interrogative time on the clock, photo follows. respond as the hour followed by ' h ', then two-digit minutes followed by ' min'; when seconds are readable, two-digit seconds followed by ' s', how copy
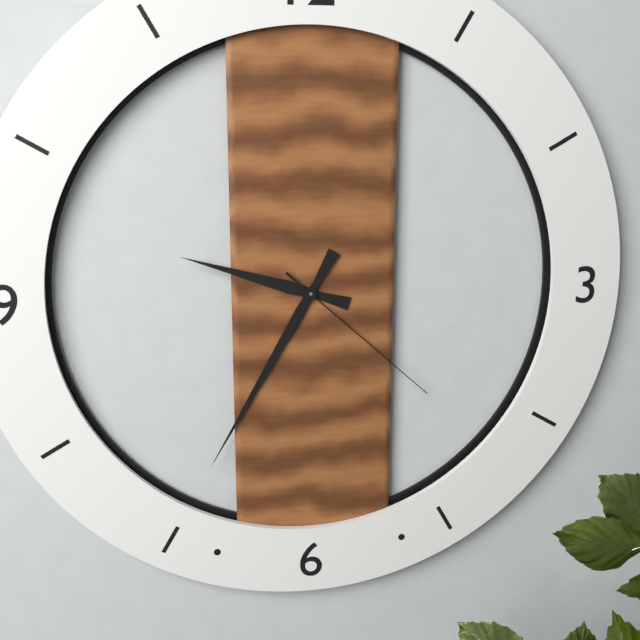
9 h 35 min 22 s
